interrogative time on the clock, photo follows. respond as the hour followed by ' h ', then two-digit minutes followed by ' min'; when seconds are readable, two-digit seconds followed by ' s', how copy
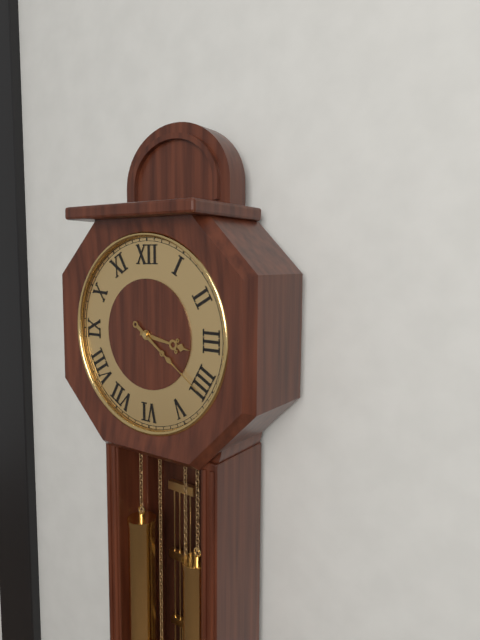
3 h 21 min
